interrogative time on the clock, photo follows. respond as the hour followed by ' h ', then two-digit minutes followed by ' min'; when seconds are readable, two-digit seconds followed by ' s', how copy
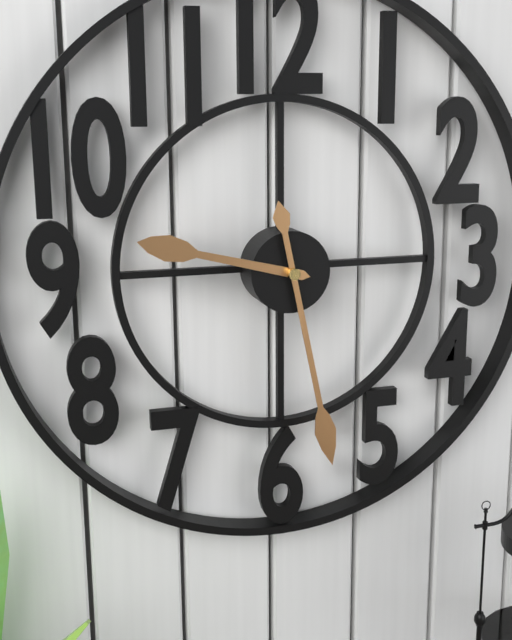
9 h 28 min
